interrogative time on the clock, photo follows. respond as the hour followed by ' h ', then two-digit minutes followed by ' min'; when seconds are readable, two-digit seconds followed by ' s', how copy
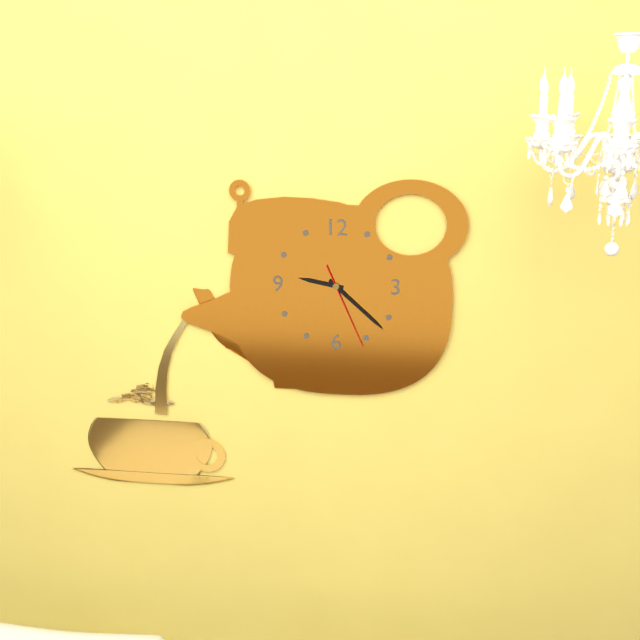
9 h 22 min 26 s
